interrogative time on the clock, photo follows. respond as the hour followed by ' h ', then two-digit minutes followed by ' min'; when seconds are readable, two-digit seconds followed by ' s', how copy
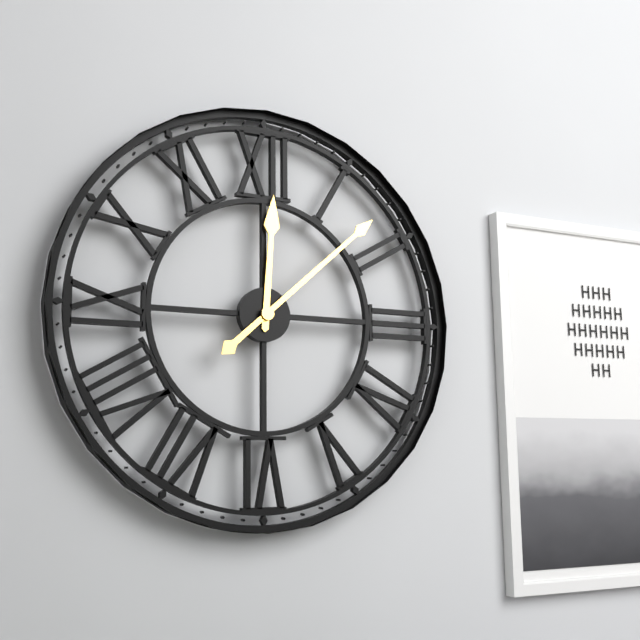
12 h 08 min
